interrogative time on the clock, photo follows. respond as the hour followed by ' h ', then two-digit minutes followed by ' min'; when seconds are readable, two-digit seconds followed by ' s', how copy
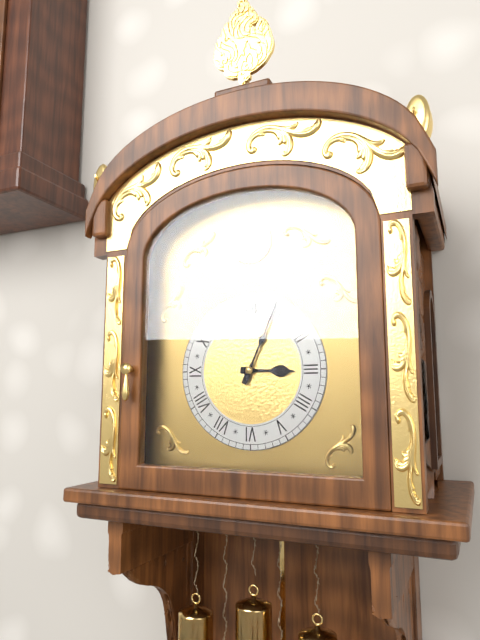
3 h 04 min
